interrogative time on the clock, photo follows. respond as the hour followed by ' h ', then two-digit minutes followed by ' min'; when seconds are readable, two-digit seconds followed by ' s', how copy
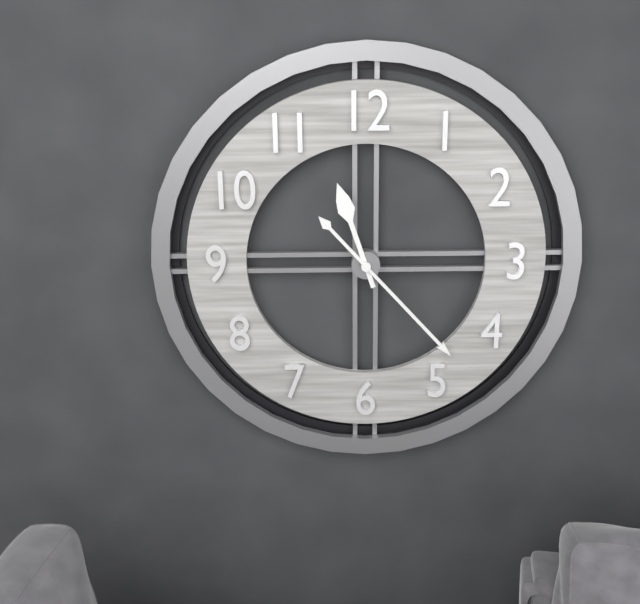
11 h 23 min
